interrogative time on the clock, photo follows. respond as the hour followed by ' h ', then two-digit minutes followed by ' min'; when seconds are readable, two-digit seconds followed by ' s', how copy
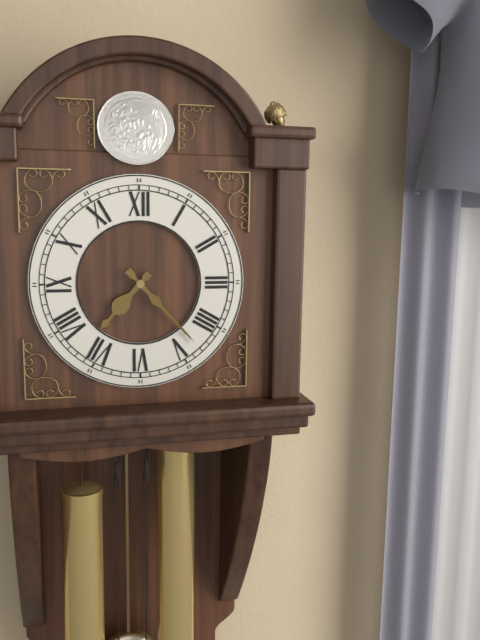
7 h 23 min
